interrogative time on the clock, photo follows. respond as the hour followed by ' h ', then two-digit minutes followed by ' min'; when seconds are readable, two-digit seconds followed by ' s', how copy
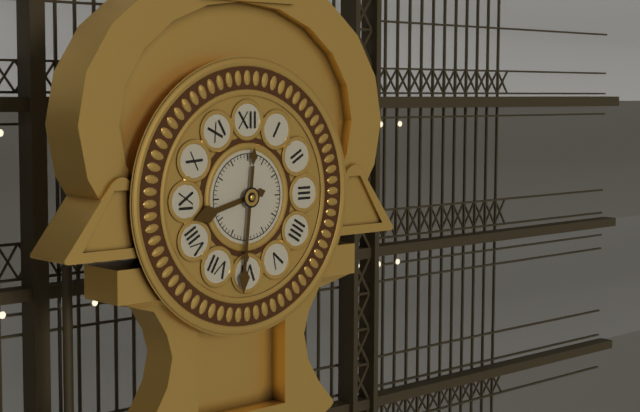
8 h 31 min
